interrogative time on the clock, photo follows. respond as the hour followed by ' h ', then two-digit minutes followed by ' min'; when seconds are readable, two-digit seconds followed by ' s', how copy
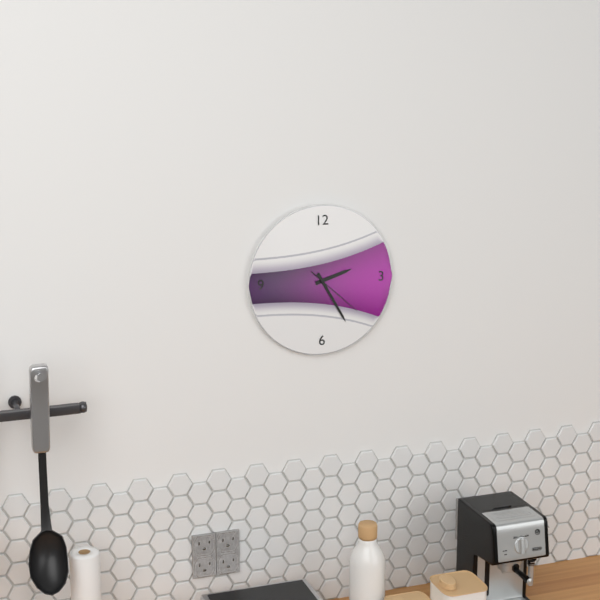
2 h 25 min 22 s
